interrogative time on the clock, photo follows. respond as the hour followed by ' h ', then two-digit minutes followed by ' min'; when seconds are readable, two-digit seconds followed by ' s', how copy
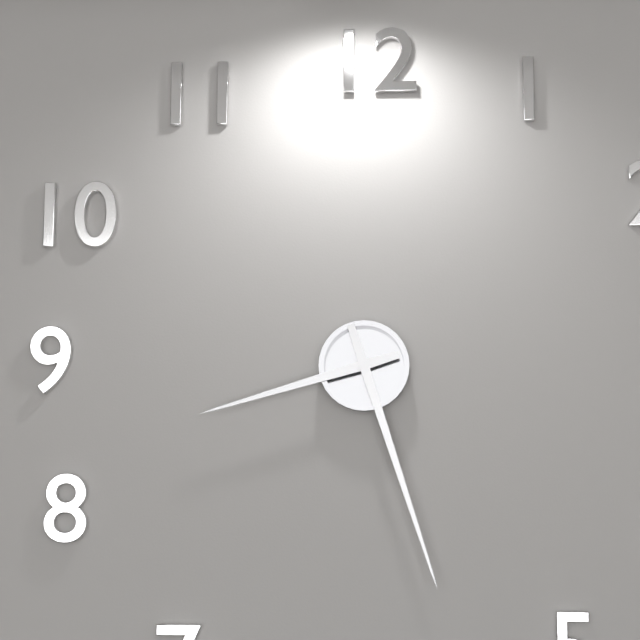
8 h 27 min
